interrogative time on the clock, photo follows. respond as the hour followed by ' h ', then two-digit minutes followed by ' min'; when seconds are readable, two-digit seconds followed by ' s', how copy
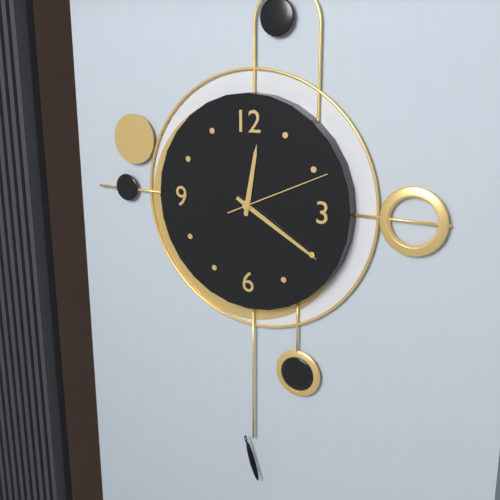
12 h 20 min 11 s
